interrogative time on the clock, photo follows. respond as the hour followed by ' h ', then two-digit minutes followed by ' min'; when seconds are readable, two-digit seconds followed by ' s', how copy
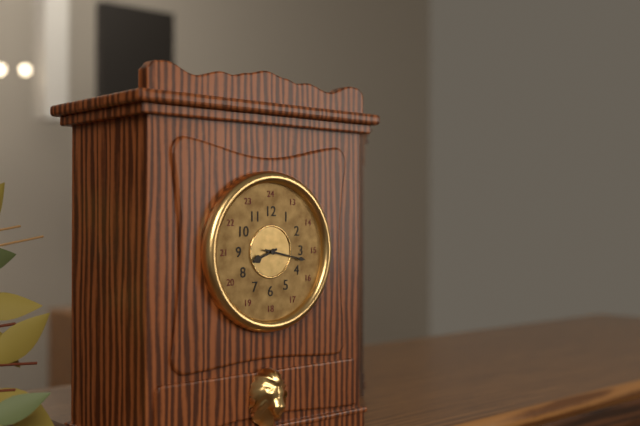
8 h 17 min
